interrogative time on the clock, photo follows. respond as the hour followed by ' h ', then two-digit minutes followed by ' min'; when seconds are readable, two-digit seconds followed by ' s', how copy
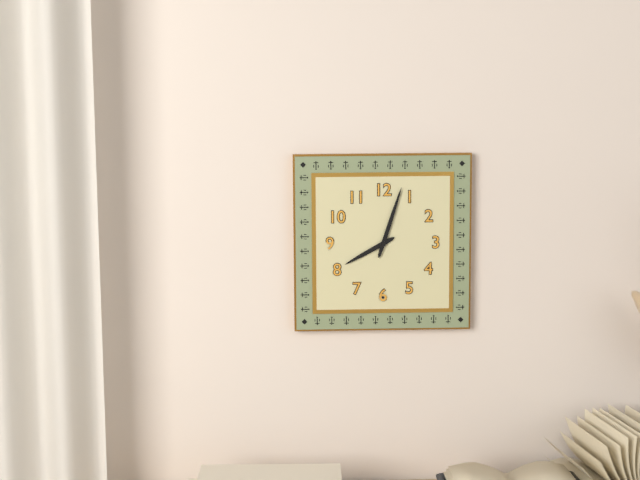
8 h 03 min
